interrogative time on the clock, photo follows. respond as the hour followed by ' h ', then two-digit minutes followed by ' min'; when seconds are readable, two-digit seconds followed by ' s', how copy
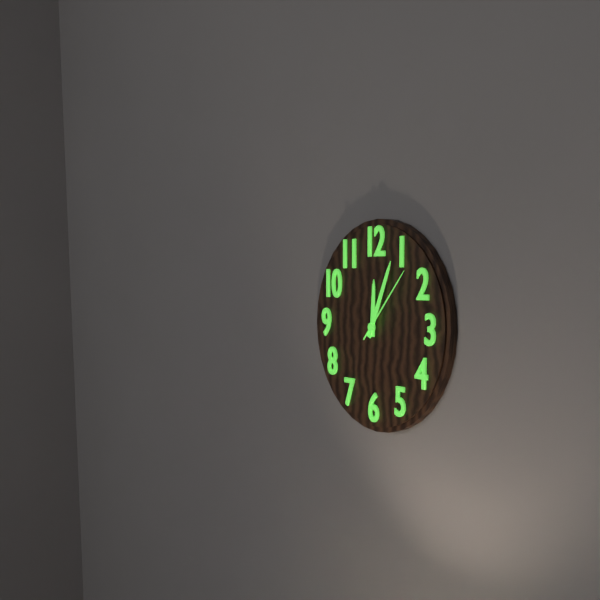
12 h 04 min 07 s
